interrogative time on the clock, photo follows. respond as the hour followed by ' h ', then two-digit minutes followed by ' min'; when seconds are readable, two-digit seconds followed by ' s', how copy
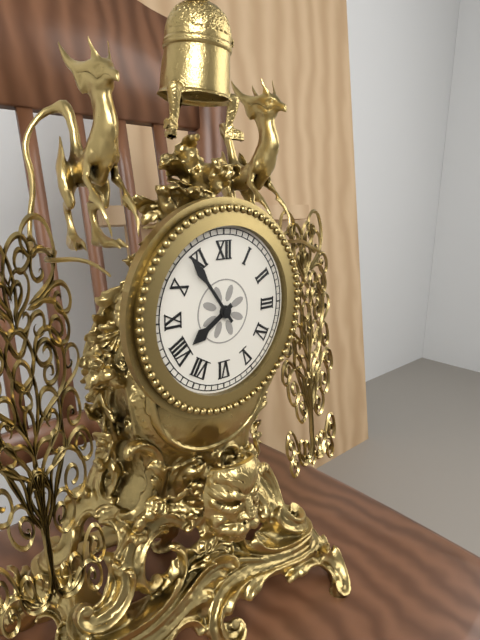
7 h 54 min
